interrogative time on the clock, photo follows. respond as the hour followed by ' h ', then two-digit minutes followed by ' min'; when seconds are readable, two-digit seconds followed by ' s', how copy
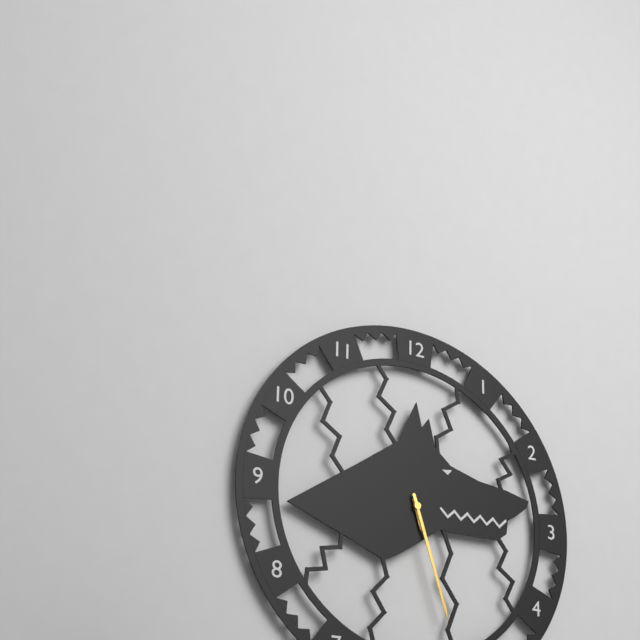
5 h 27 min
